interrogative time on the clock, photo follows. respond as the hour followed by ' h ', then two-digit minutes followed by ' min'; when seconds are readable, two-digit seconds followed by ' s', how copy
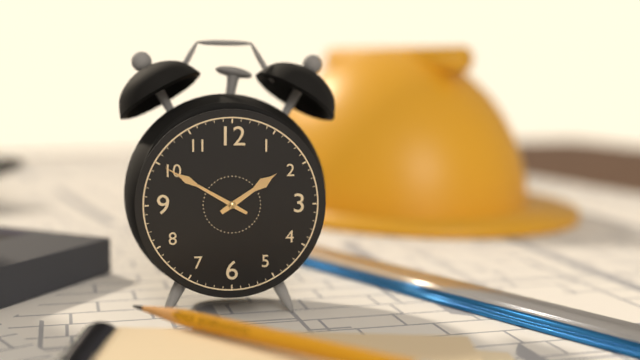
1 h 50 min
